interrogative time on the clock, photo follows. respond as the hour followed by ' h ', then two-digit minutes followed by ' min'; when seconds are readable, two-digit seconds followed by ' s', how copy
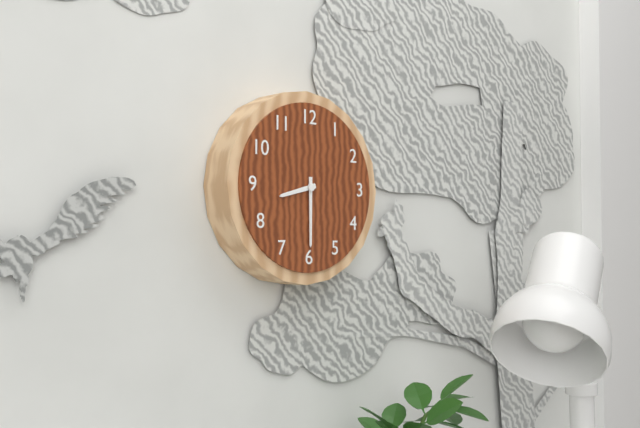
8 h 30 min
